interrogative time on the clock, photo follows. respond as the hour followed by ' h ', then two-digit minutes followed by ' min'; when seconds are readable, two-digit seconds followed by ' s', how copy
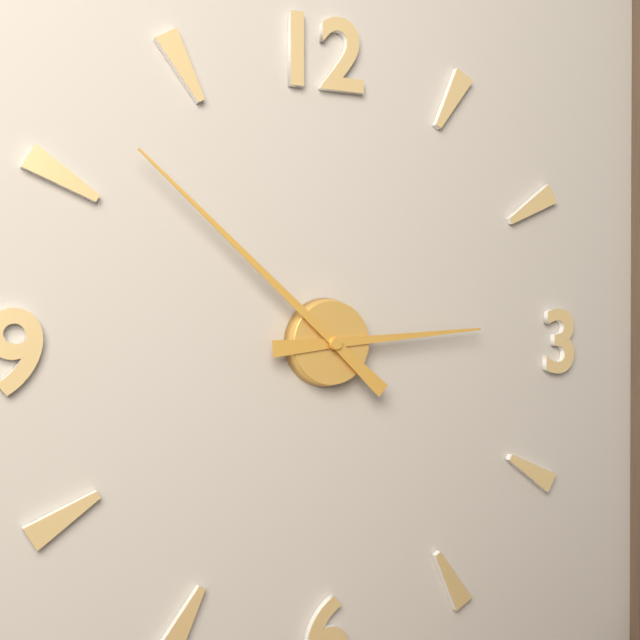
2 h 52 min
